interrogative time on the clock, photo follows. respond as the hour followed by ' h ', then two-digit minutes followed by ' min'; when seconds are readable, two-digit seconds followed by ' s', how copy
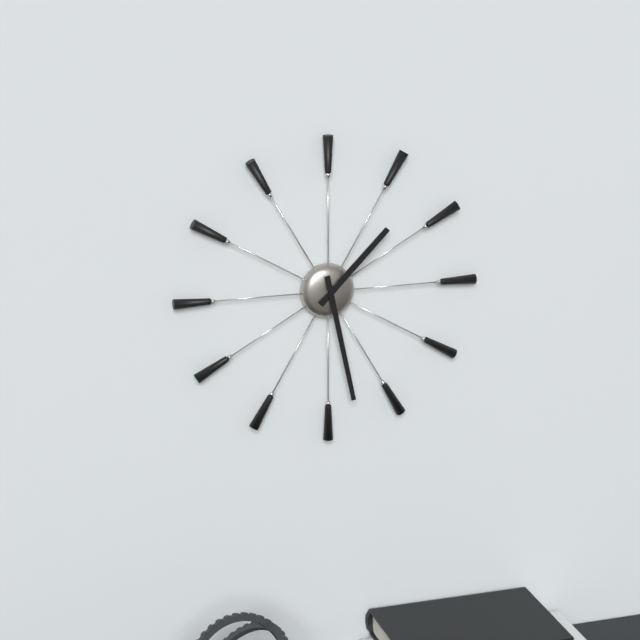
1 h 28 min
